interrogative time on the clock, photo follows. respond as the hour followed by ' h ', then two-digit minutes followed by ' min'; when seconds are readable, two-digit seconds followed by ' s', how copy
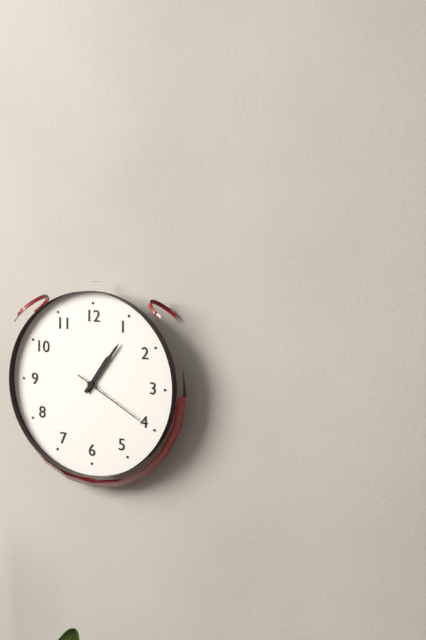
1 h 06 min 20 s
